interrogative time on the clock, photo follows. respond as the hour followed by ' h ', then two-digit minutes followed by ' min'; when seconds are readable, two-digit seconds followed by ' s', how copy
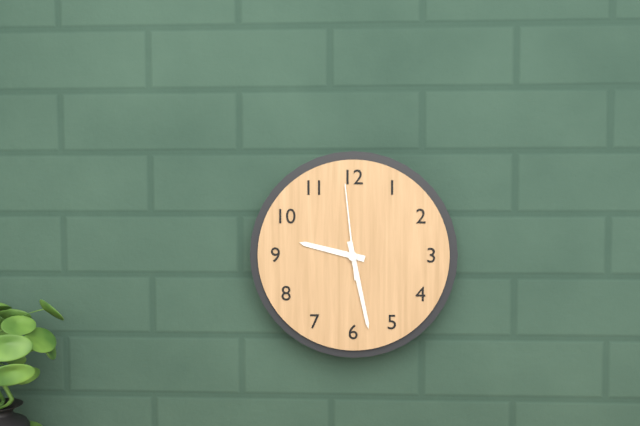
9 h 28 min 59 s
